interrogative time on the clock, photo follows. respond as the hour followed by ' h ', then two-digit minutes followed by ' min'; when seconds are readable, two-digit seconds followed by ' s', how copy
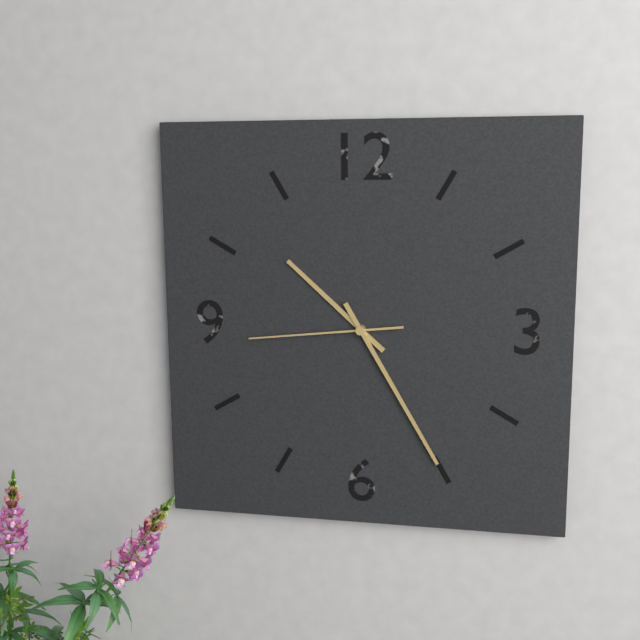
10 h 25 min 44 s
